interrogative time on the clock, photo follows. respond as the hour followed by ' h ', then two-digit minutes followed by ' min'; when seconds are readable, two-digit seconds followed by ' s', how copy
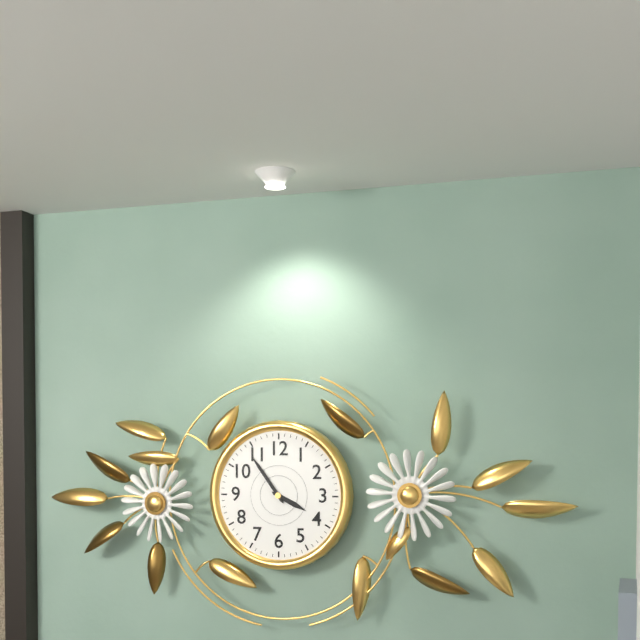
3 h 54 min
